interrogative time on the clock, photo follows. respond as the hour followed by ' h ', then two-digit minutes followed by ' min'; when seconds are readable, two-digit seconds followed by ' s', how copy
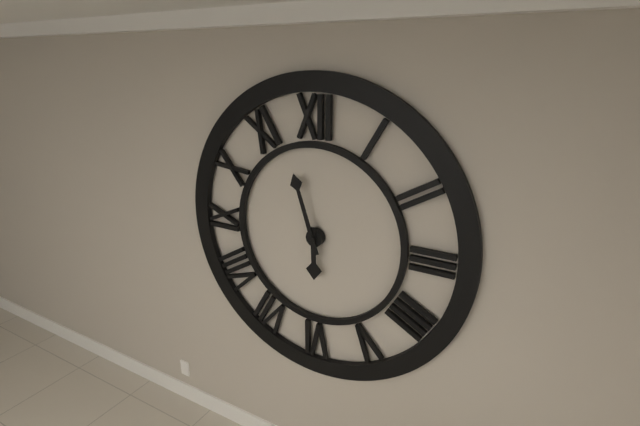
5 h 57 min
